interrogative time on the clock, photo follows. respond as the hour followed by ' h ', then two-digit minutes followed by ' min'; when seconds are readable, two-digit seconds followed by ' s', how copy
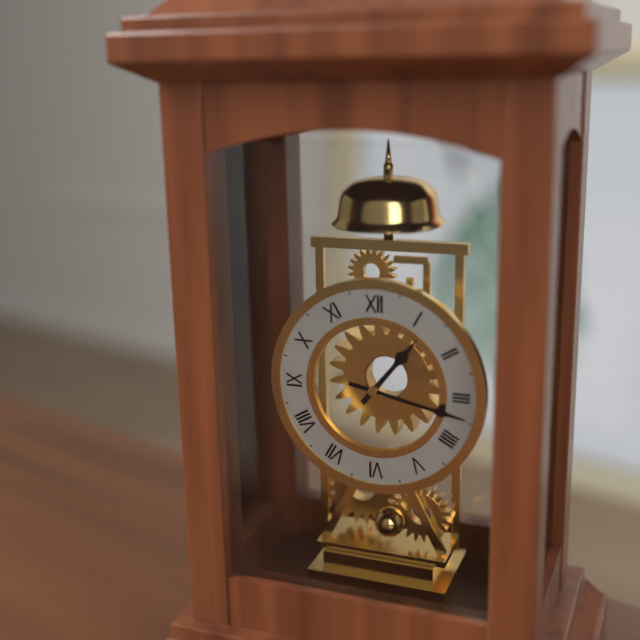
1 h 17 min
